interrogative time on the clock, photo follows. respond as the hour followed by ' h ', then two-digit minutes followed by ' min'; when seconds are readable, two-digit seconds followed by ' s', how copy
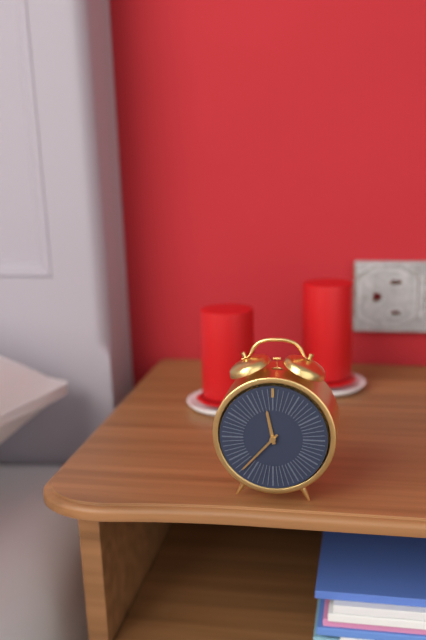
11 h 37 min
